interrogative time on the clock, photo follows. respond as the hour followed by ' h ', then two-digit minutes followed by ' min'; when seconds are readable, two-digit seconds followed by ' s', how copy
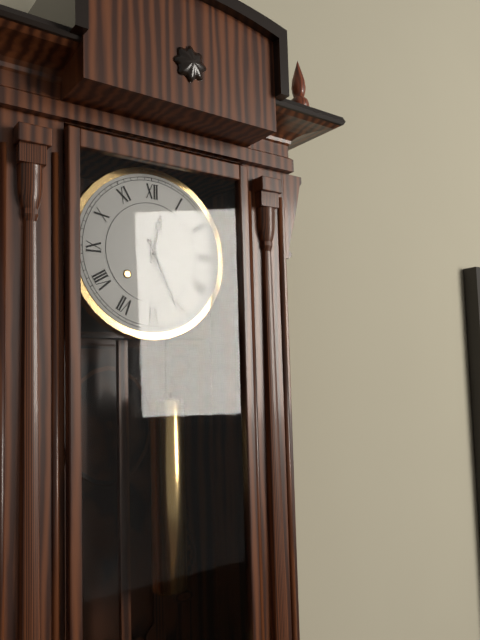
12 h 26 min
